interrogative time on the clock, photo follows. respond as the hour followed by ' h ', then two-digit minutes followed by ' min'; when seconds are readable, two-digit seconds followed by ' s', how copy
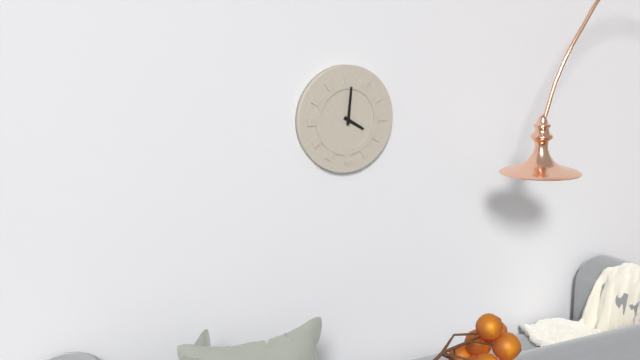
4 h 01 min
